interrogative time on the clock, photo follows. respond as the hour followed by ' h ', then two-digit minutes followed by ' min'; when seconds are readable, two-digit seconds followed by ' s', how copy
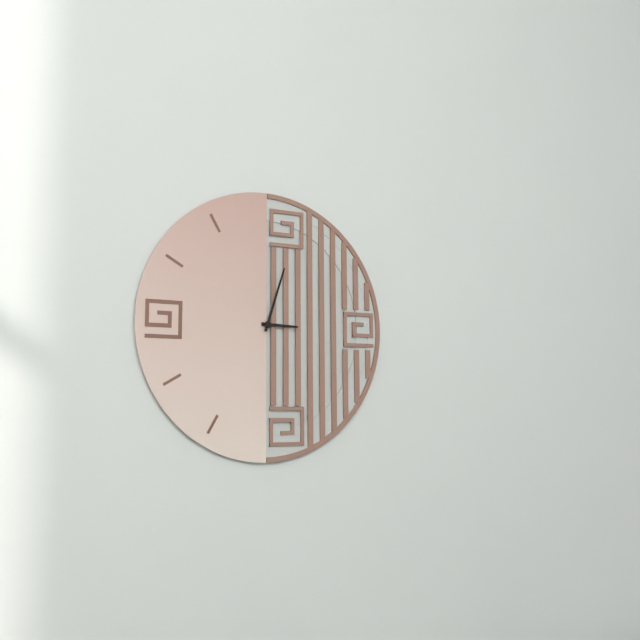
3 h 03 min
